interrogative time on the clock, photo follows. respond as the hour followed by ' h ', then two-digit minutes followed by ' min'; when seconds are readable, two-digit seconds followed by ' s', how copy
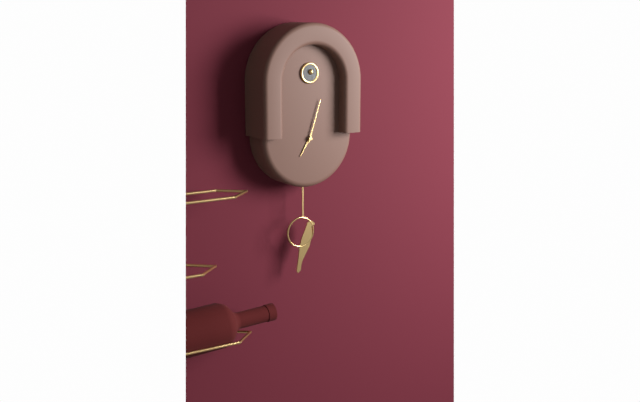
7 h 03 min
